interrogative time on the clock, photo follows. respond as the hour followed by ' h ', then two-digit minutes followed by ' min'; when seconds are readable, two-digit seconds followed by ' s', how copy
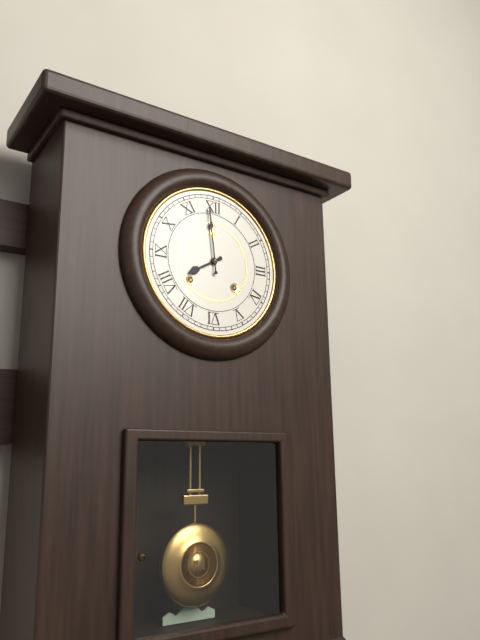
7 h 59 min
